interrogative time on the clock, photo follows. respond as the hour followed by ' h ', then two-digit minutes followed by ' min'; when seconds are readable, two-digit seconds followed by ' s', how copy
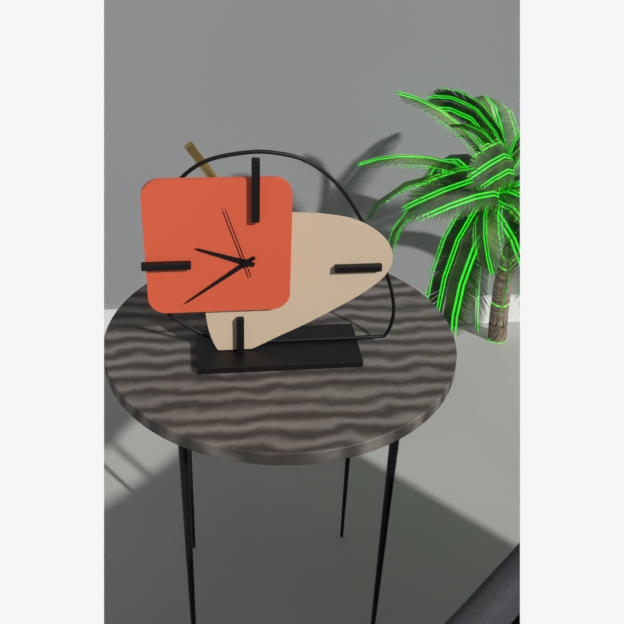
9 h 39 min 57 s
